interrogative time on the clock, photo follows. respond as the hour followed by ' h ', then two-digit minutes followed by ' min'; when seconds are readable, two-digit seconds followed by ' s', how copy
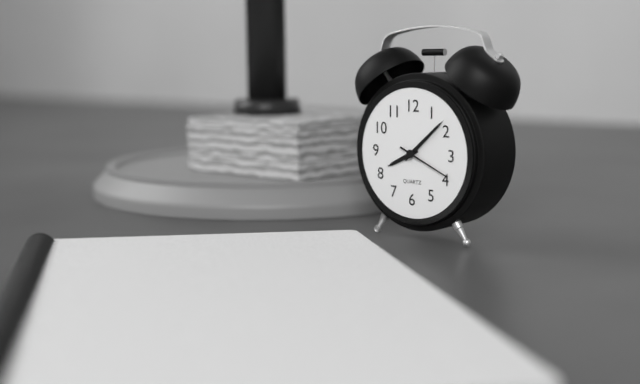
8 h 08 min 19 s
